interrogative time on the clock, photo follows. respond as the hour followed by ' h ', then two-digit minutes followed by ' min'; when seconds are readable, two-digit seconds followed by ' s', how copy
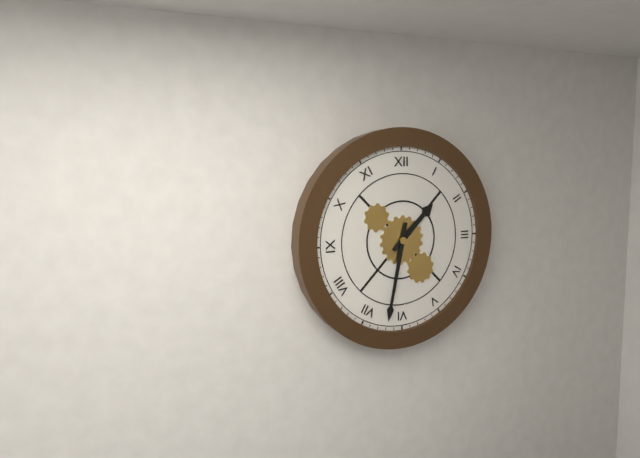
1 h 32 min
